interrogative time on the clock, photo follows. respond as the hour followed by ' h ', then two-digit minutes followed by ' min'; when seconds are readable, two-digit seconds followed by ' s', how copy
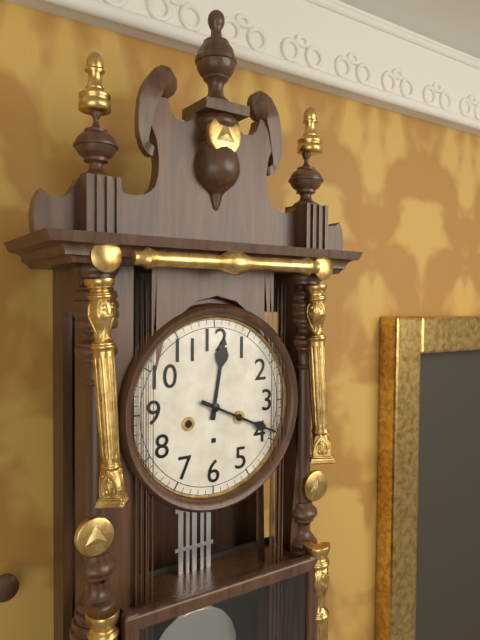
12 h 19 min
